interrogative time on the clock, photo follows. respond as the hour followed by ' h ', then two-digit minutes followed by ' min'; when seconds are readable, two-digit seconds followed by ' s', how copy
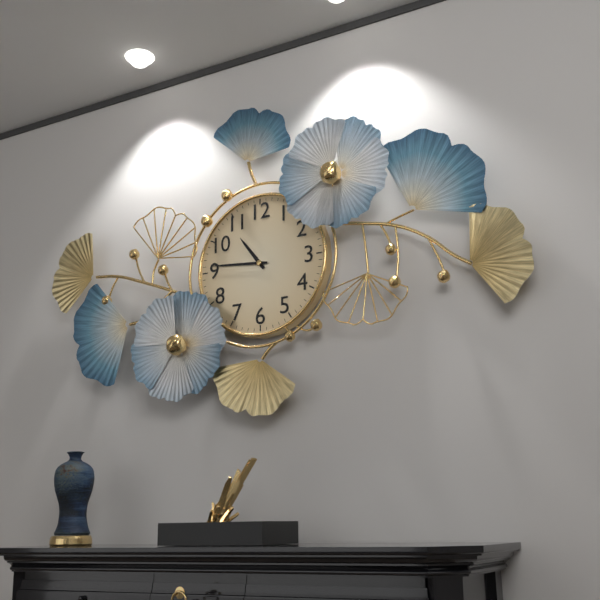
10 h 46 min
